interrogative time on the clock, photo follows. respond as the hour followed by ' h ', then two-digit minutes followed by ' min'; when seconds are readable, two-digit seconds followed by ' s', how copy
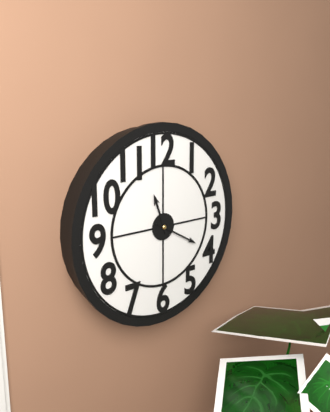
11 h 20 min
